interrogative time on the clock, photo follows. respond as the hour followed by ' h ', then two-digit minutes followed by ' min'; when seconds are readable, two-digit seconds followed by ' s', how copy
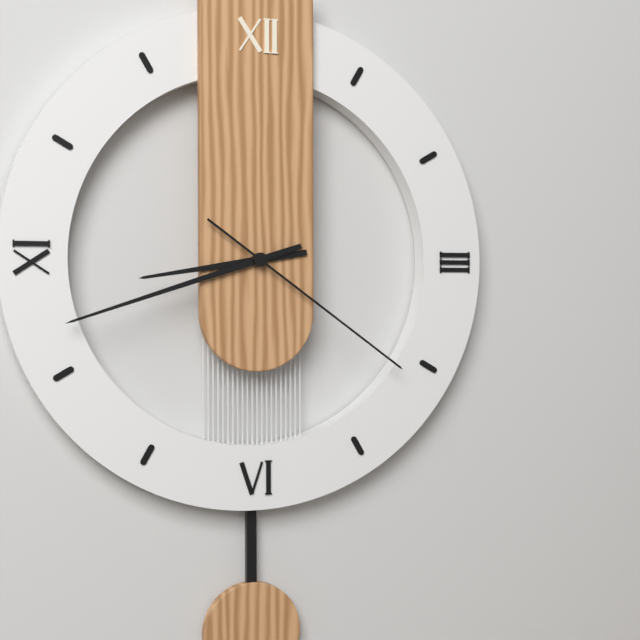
8 h 42 min 21 s
